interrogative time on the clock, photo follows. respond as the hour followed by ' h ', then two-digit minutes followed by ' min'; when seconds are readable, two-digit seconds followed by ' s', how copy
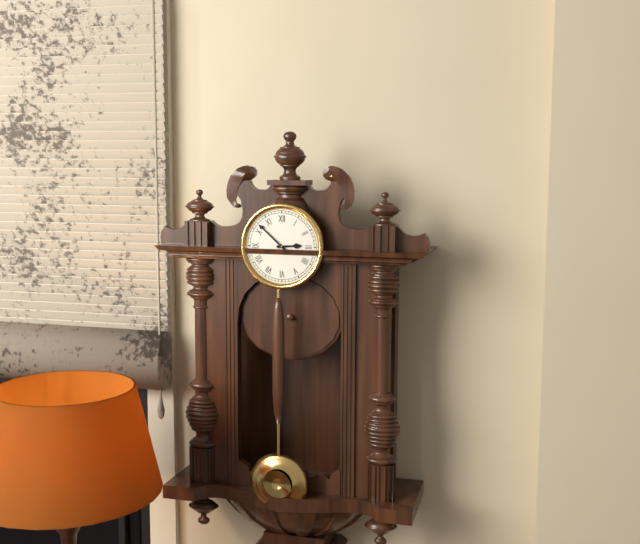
2 h 52 min
